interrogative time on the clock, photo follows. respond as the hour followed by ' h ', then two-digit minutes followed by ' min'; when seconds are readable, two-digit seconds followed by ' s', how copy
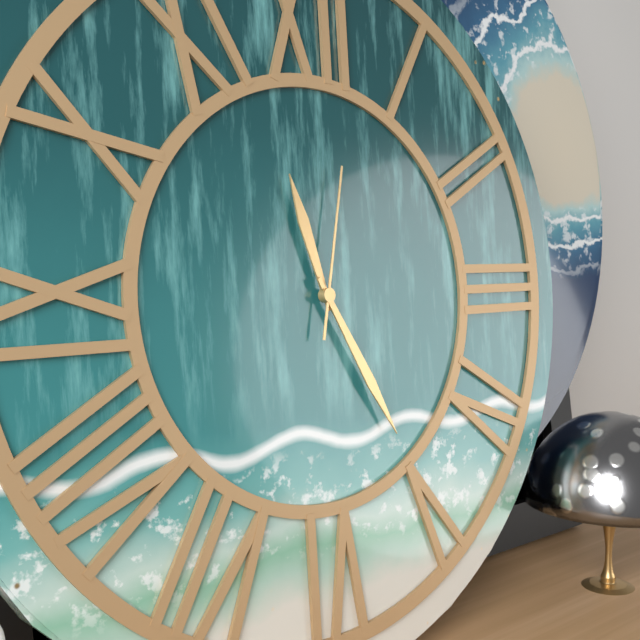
11 h 25 min 02 s
